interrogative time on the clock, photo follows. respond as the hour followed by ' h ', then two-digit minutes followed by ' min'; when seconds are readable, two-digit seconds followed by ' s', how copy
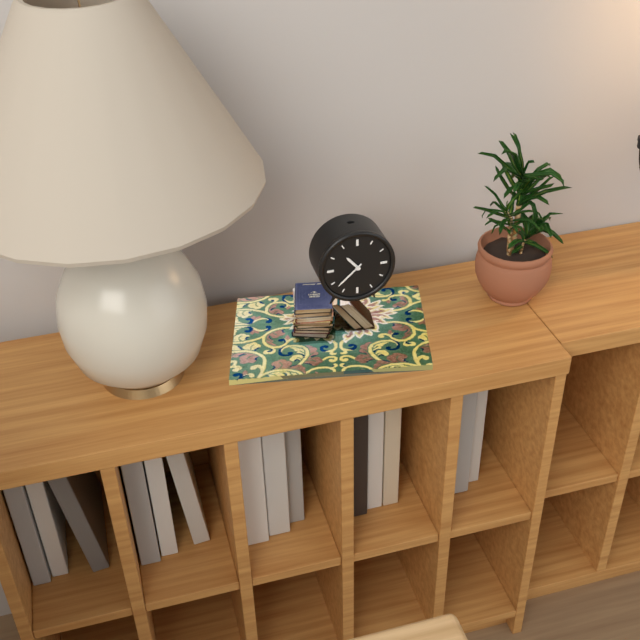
10 h 38 min
